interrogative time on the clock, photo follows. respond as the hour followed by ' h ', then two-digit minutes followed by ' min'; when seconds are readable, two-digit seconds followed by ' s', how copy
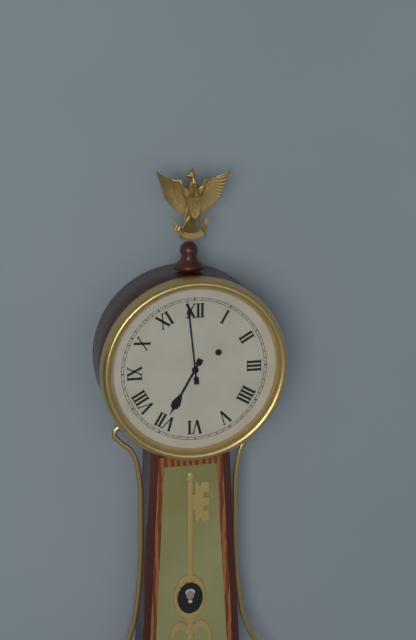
6 h 59 min
